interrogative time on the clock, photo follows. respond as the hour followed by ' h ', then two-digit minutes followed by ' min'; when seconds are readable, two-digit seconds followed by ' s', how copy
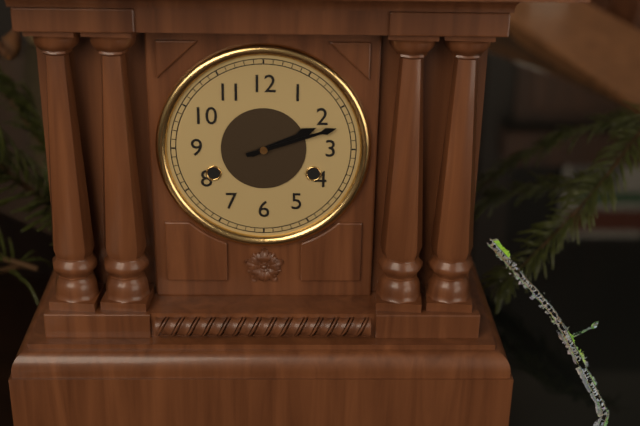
2 h 12 min
